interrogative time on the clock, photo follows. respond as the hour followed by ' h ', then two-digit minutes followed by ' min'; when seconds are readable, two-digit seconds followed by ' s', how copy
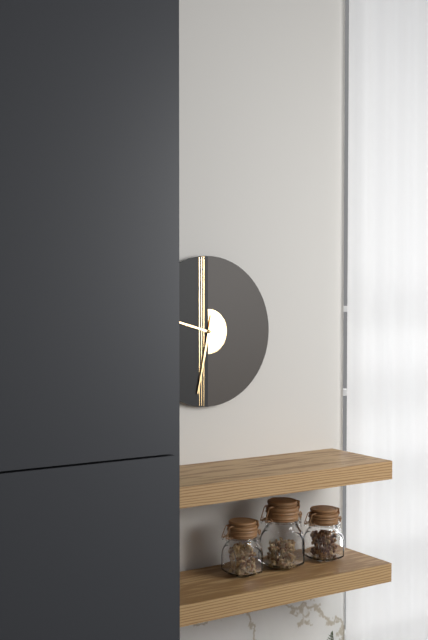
9 h 32 min
